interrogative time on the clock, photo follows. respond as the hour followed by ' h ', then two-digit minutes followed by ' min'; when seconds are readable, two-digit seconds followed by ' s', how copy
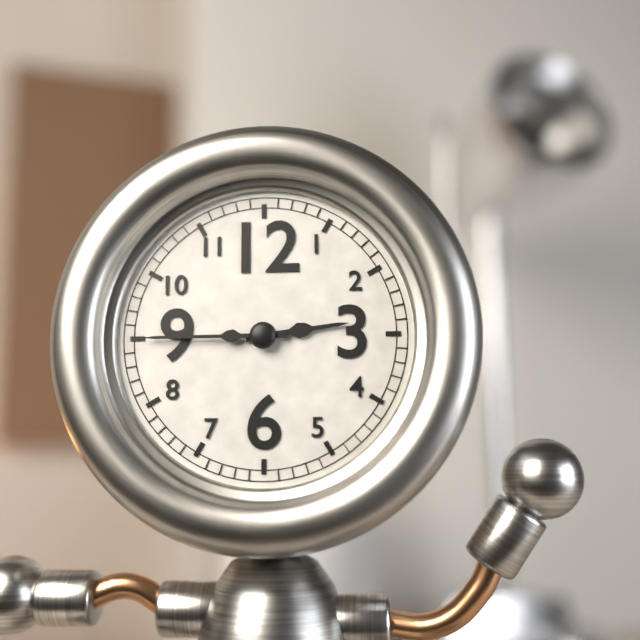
2 h 45 min
